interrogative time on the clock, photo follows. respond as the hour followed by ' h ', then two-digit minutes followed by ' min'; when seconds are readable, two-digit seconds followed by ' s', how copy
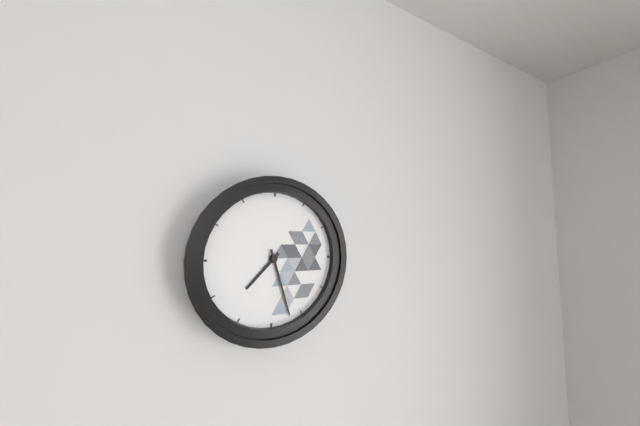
7 h 27 min
